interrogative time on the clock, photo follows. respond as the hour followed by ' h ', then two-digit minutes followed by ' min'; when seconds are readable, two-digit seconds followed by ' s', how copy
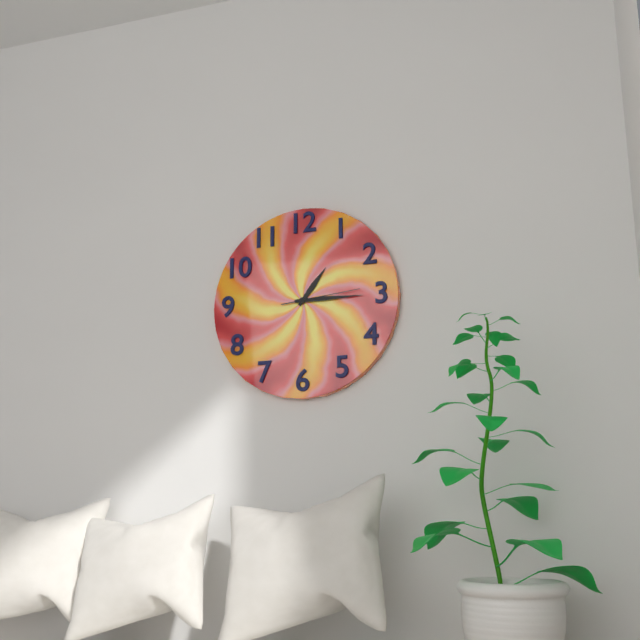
1 h 15 min 14 s
